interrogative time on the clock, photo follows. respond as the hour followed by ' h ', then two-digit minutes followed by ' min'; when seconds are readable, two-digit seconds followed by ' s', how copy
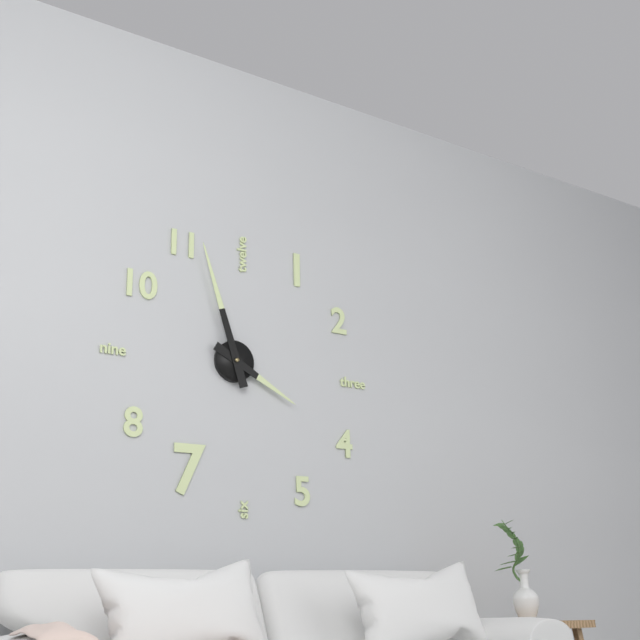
3 h 57 min
